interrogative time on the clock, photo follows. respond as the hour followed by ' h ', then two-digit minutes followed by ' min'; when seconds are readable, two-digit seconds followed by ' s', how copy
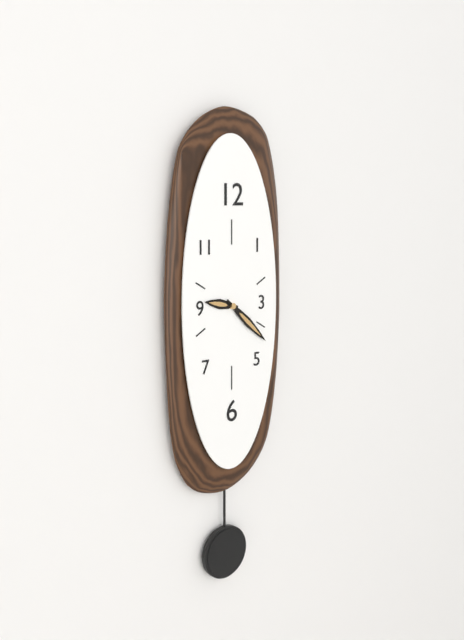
9 h 22 min
